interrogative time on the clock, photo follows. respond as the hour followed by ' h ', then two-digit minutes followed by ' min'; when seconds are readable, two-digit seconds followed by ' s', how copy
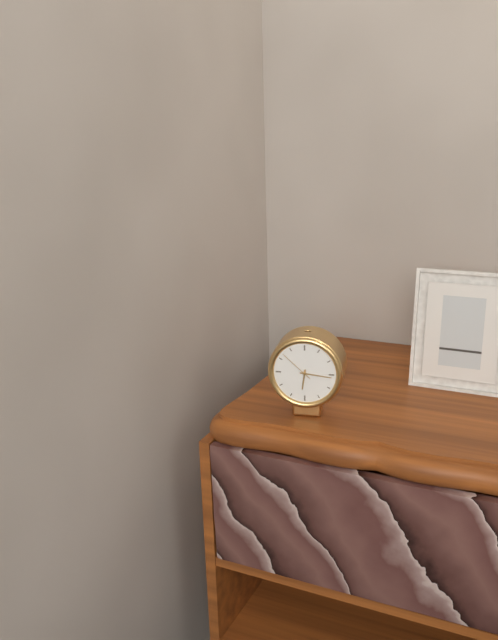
6 h 16 min
